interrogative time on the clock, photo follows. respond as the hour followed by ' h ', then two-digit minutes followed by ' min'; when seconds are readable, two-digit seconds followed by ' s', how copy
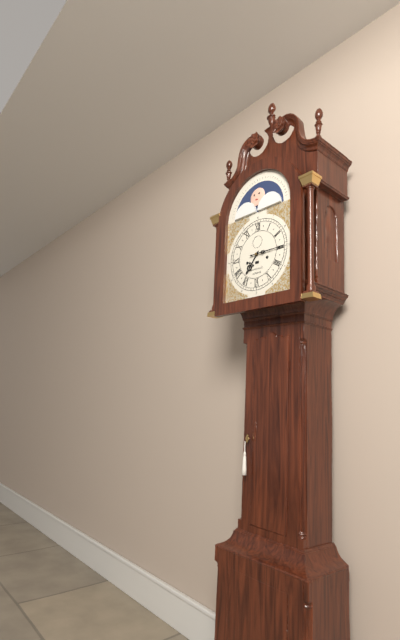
7 h 15 min
